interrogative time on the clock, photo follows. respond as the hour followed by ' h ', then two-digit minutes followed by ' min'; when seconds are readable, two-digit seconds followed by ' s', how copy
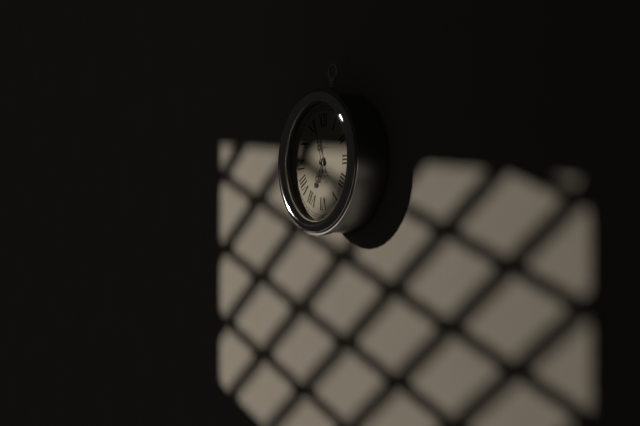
6 h 57 min
